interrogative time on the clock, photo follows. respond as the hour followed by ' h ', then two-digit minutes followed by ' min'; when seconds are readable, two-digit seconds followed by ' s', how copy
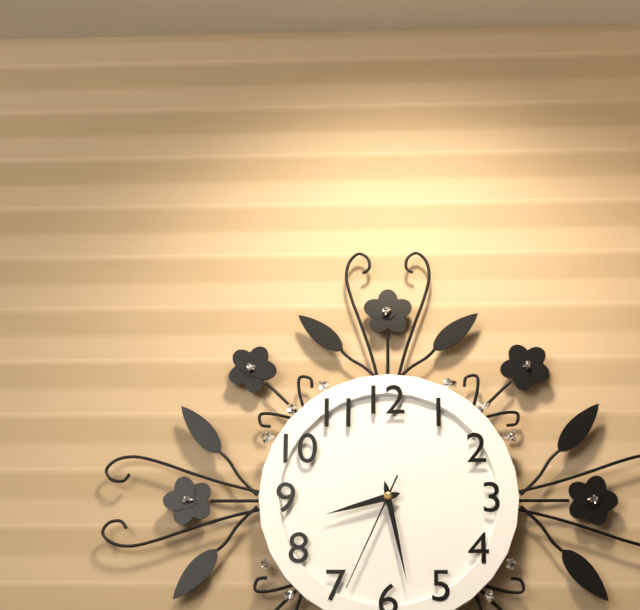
8 h 28 min 34 s
